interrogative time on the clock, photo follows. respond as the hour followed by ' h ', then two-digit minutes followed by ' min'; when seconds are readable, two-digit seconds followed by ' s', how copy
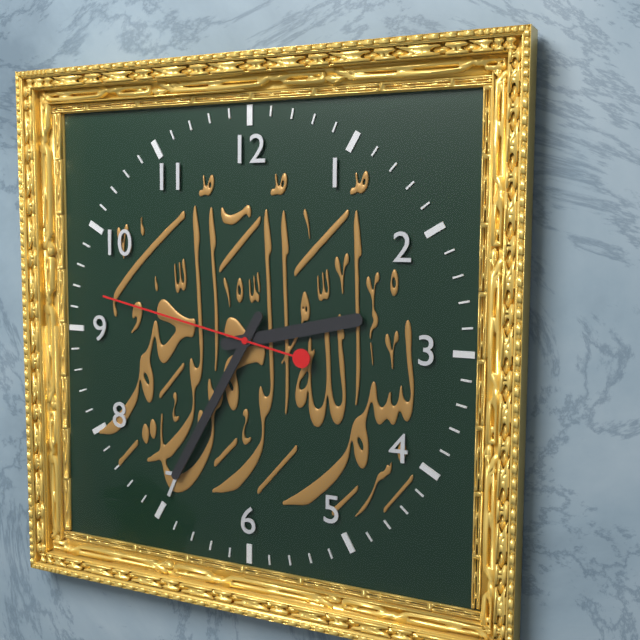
2 h 35 min 47 s
